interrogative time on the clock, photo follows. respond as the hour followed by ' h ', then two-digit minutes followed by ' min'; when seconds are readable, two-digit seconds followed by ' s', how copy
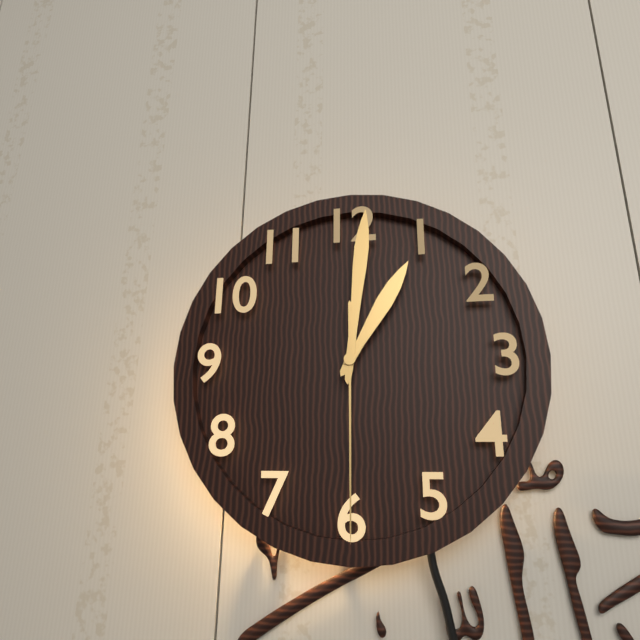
1 h 01 min 30 s
